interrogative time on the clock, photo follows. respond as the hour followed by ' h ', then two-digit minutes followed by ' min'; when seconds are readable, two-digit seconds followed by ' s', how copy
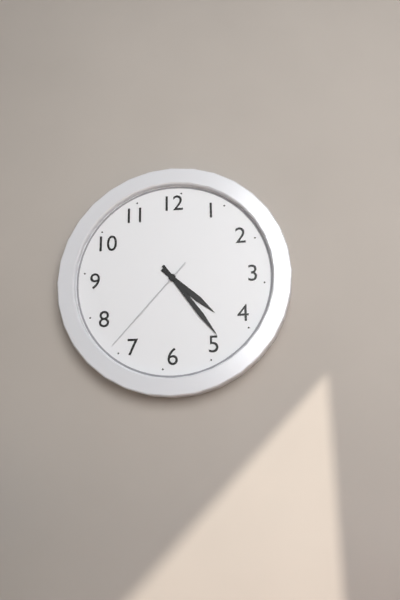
4 h 24 min 37 s
